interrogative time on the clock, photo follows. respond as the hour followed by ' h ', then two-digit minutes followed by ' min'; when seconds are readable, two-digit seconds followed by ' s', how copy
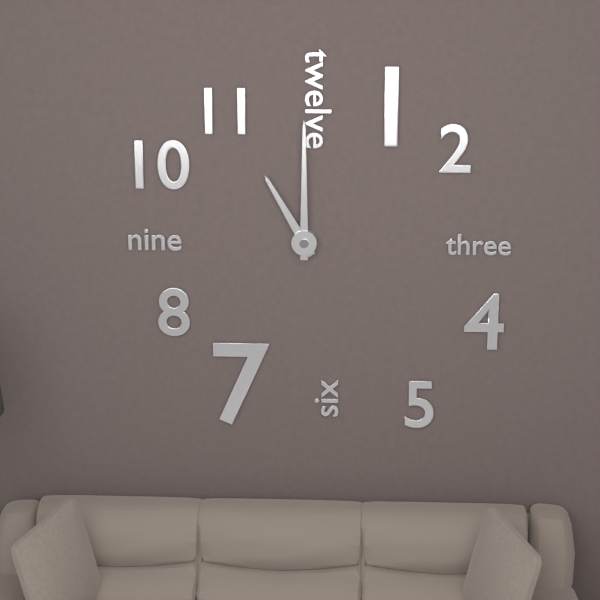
11 h 00 min
